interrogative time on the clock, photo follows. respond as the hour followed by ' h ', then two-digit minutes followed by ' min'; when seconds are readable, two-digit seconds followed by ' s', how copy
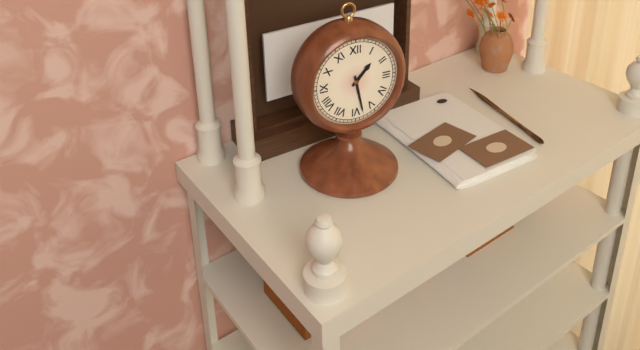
1 h 28 min
